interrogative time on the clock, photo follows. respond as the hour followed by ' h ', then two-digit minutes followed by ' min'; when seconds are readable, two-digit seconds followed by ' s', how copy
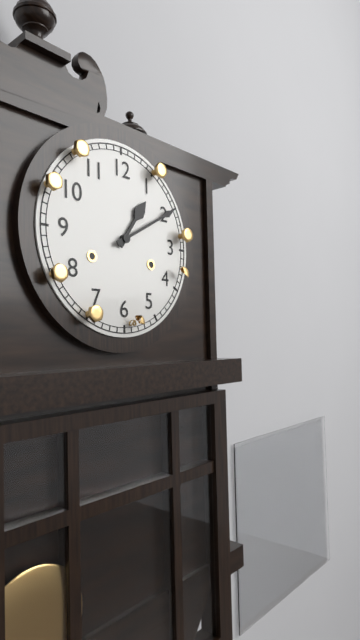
1 h 10 min
